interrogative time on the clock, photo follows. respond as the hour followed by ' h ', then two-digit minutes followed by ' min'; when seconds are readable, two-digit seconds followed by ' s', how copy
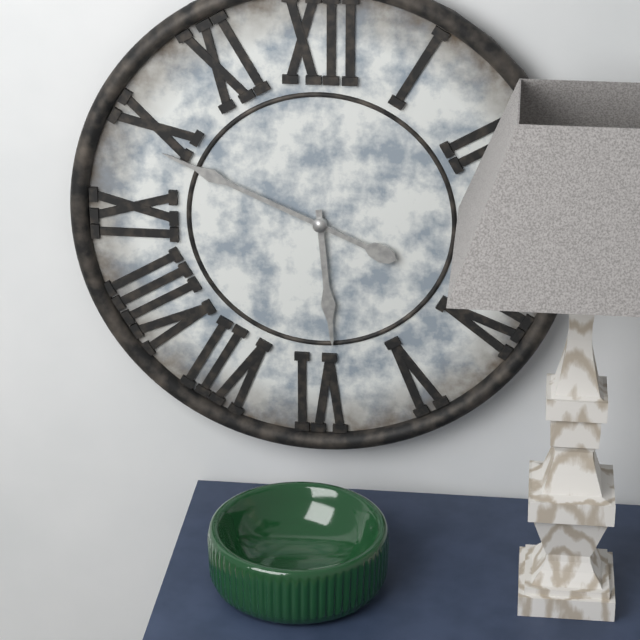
5 h 49 min
